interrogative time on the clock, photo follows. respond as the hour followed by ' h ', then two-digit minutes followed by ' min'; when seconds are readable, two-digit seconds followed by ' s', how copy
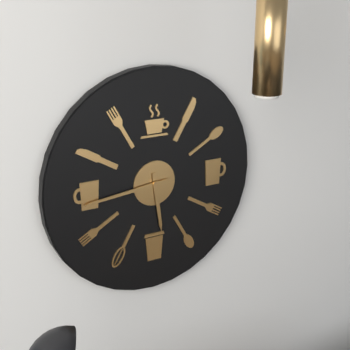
5 h 44 min
